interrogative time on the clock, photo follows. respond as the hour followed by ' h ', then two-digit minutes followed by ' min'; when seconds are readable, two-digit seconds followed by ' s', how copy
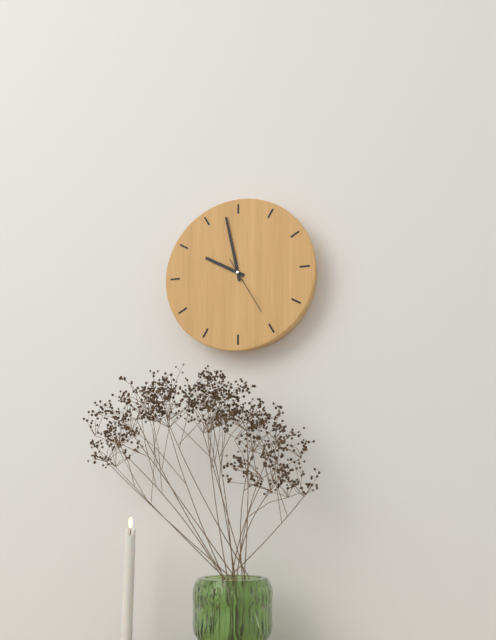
9 h 58 min
